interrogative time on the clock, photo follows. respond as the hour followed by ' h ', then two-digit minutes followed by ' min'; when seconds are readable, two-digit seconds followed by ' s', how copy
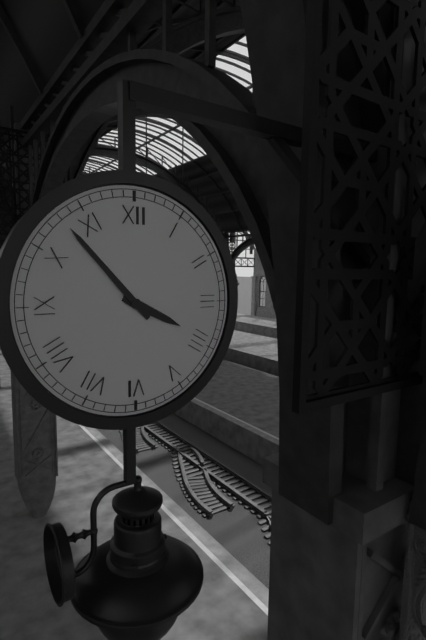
3 h 53 min
